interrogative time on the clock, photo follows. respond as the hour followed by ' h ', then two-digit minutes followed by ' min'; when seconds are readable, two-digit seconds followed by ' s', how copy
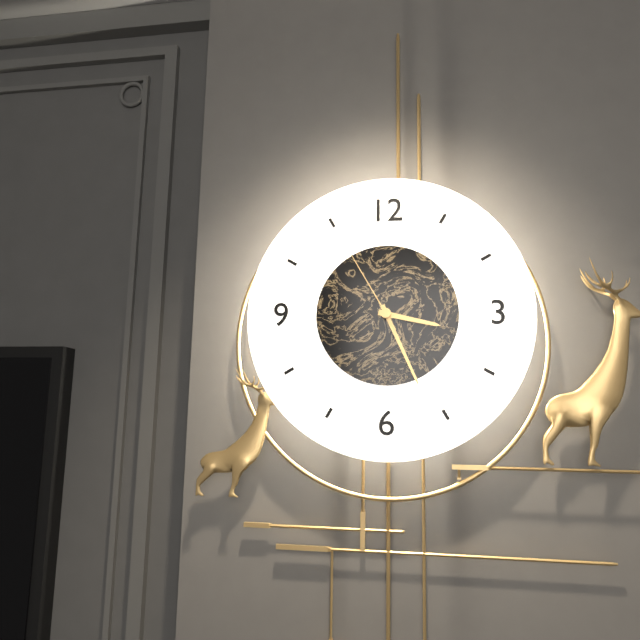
3 h 26 min 55 s
